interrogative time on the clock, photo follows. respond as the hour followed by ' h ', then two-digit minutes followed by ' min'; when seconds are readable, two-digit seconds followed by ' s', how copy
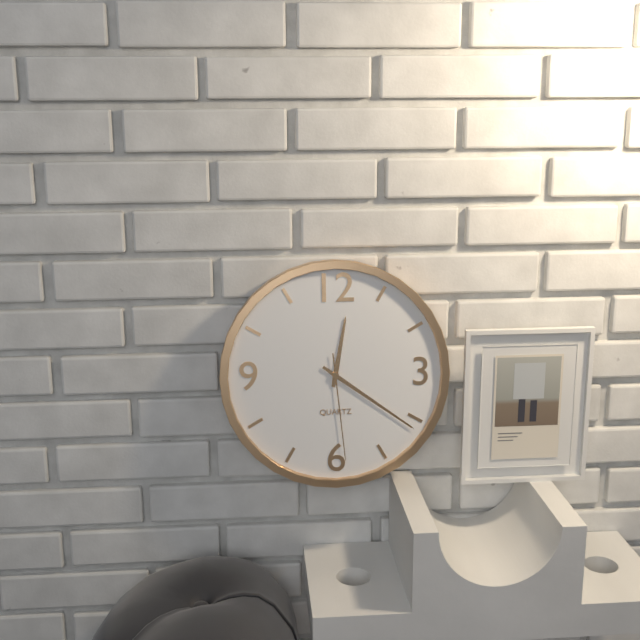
12 h 21 min 29 s
